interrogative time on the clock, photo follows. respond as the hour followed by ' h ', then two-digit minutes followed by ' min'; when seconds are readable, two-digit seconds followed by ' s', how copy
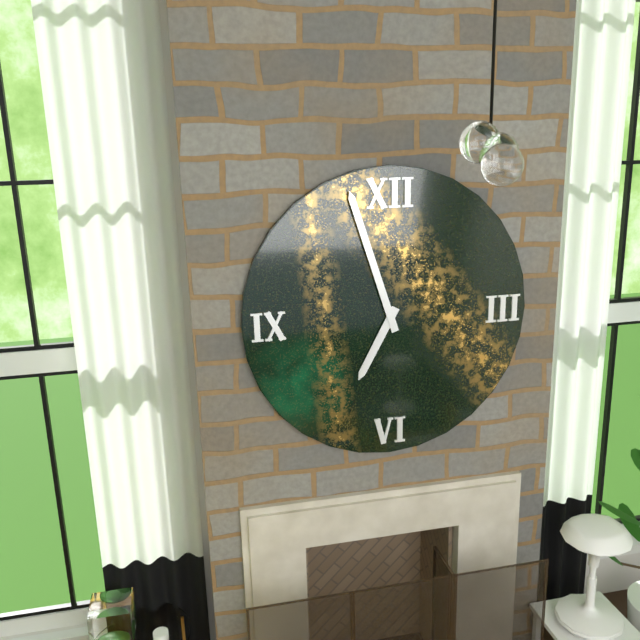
6 h 57 min
